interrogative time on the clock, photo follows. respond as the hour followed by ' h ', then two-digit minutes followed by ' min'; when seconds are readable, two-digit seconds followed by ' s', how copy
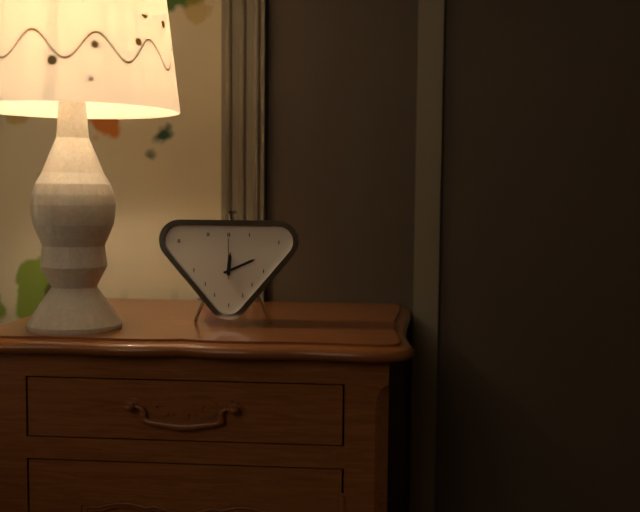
12 h 11 min
